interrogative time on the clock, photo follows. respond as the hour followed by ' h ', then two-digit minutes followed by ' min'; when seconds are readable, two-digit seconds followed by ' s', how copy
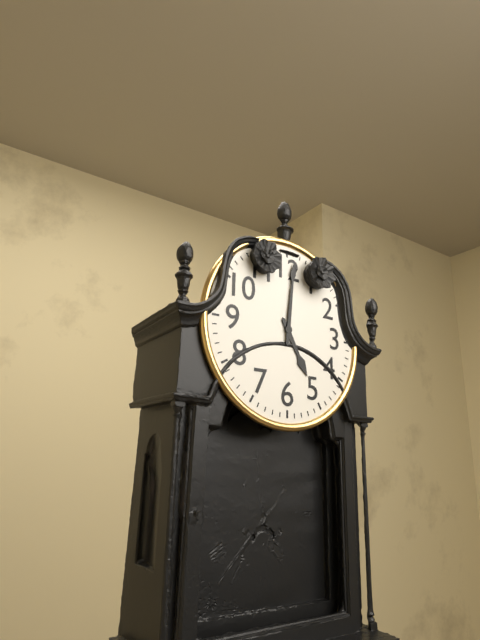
5 h 01 min
